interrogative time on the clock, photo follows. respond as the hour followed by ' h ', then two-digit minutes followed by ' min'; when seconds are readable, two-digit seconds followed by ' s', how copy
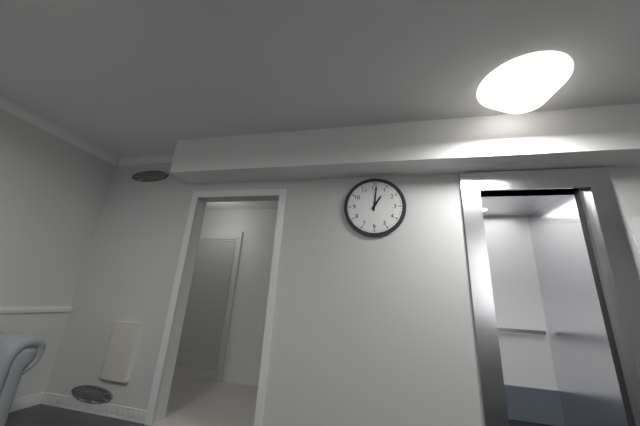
1 h 01 min
